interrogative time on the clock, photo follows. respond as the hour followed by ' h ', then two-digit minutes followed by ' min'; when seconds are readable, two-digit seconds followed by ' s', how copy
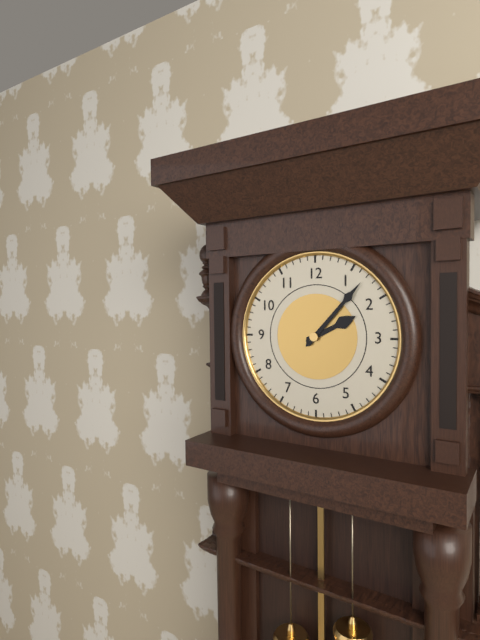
2 h 07 min
